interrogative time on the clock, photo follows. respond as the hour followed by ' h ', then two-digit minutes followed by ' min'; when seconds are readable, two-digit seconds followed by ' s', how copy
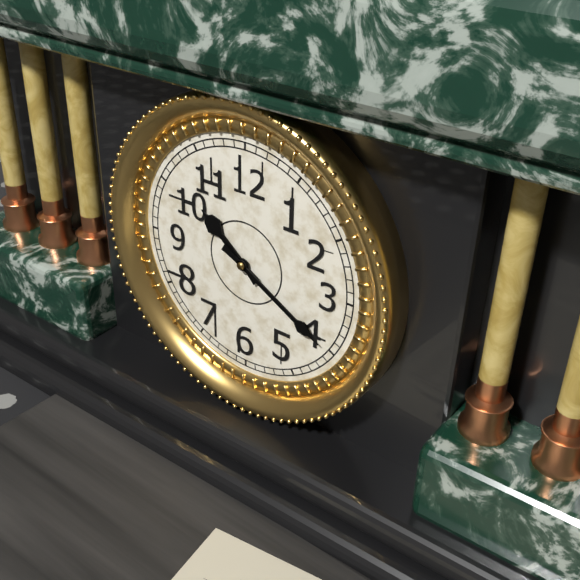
10 h 20 min
